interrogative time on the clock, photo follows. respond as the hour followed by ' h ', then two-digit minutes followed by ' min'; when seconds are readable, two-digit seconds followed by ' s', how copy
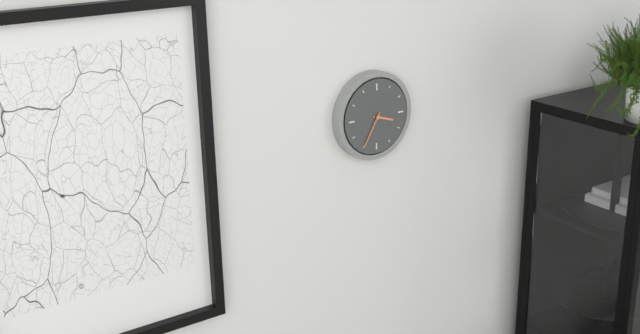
3 h 35 min
